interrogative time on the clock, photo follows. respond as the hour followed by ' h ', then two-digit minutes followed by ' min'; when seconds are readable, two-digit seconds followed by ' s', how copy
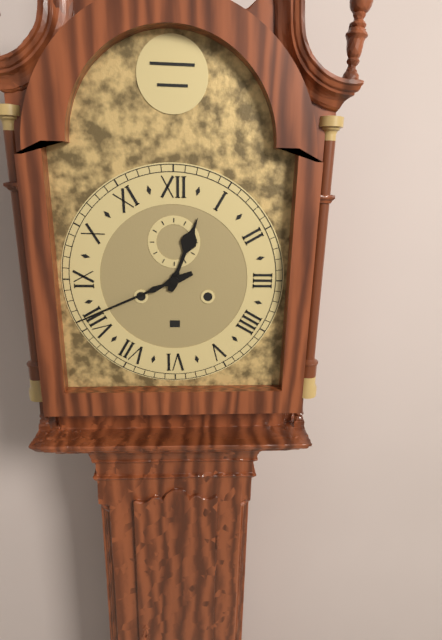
12 h 41 min
